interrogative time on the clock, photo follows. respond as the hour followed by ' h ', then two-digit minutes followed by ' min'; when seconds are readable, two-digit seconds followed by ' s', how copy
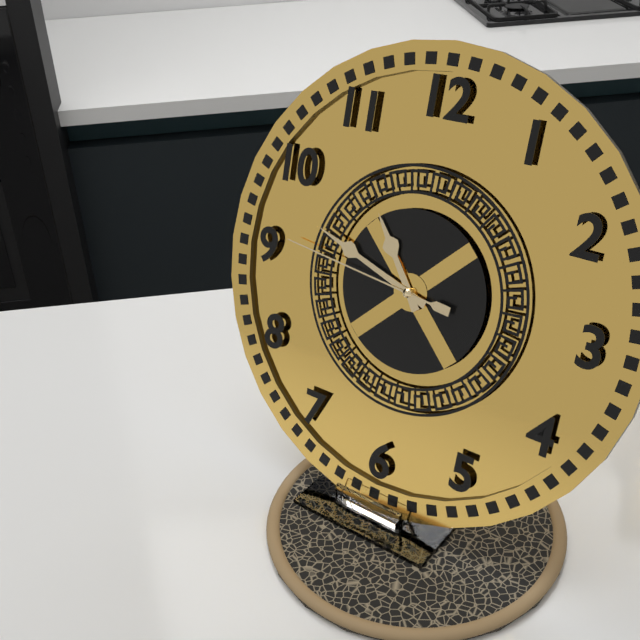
10 h 48 min 46 s
